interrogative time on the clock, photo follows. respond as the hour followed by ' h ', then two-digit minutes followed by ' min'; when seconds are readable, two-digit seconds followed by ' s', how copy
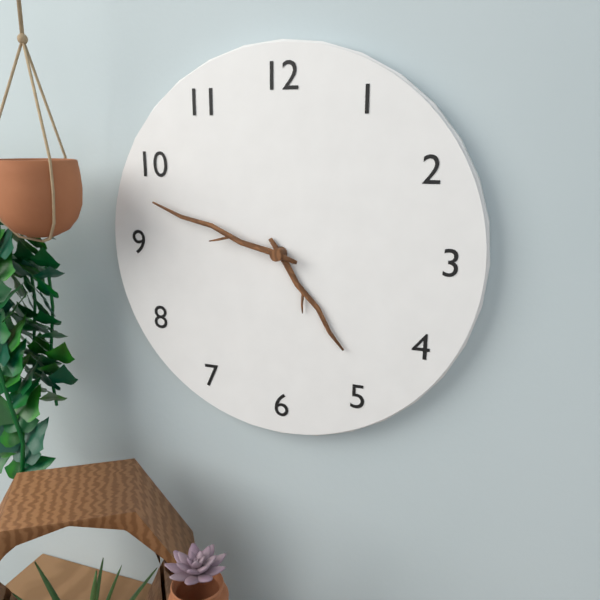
4 h 48 min
